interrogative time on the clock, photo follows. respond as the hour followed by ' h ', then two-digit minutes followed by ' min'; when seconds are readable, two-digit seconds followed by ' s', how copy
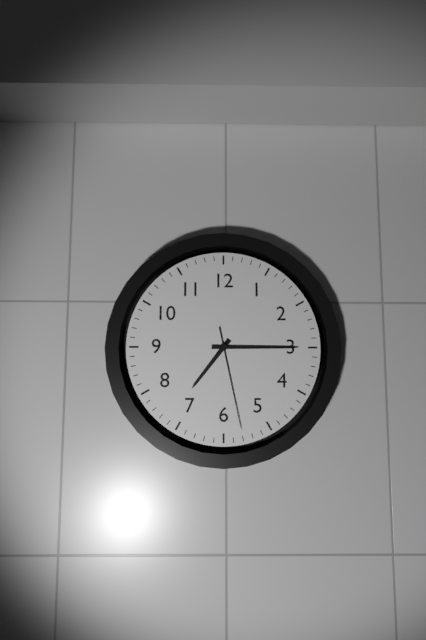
7 h 15 min 28 s
